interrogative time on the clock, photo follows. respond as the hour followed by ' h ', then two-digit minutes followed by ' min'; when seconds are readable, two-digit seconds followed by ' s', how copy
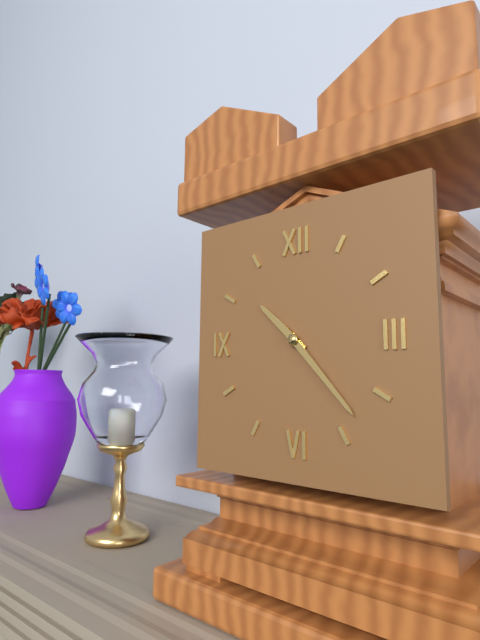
10 h 23 min
